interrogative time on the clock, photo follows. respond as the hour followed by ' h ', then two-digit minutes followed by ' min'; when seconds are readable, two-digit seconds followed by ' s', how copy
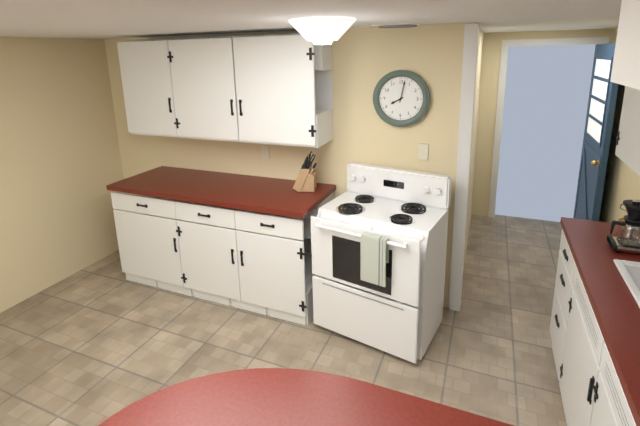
8 h 02 min
